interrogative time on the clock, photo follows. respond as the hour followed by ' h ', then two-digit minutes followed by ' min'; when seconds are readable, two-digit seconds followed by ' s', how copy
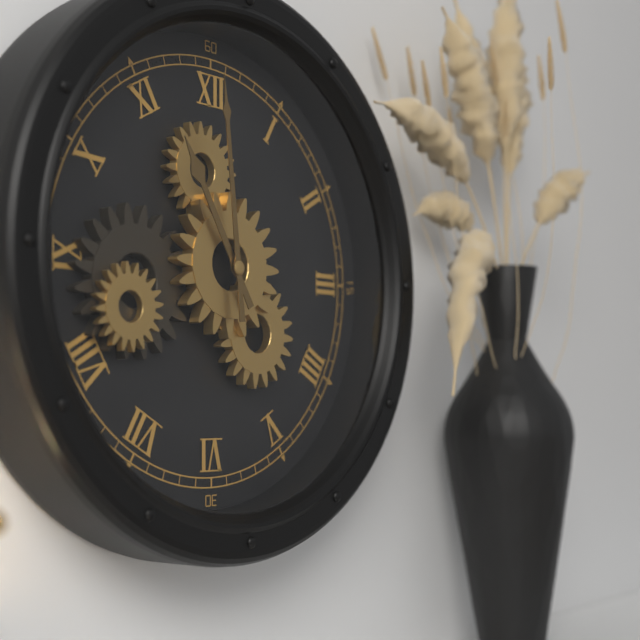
10 h 59 min
